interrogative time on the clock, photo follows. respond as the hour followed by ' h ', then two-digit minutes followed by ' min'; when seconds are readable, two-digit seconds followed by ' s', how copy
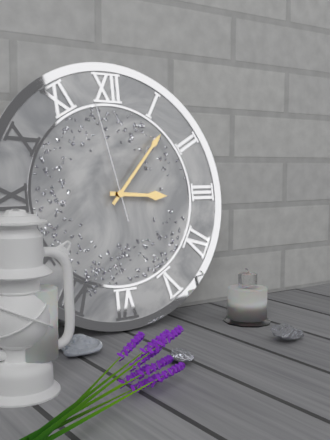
3 h 07 min 58 s
